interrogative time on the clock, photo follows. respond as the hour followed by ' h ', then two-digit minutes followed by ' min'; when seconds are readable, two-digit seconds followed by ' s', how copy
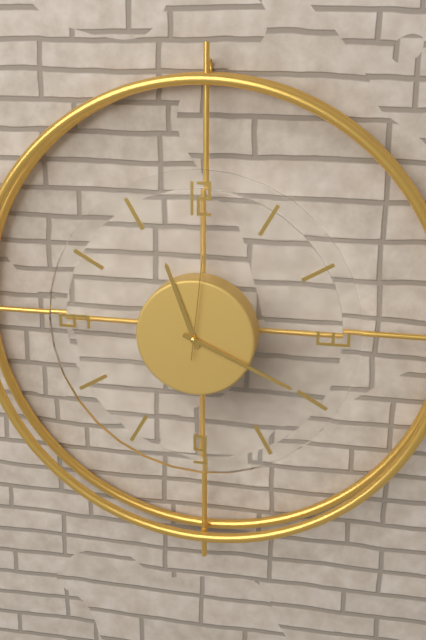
11 h 19 min 01 s
